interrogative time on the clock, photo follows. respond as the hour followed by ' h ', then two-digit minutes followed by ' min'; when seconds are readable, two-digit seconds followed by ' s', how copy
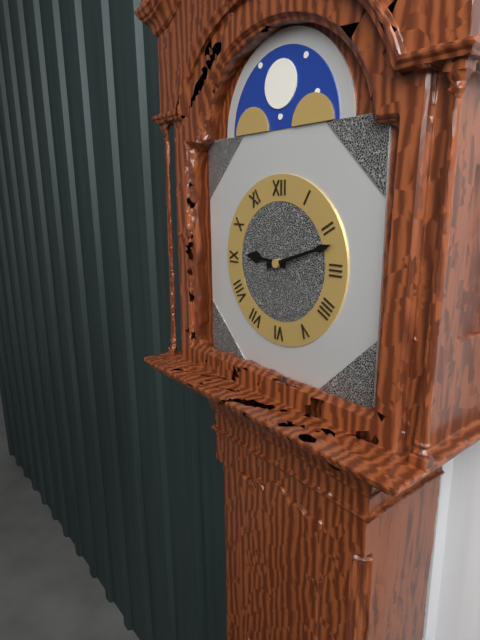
9 h 12 min
